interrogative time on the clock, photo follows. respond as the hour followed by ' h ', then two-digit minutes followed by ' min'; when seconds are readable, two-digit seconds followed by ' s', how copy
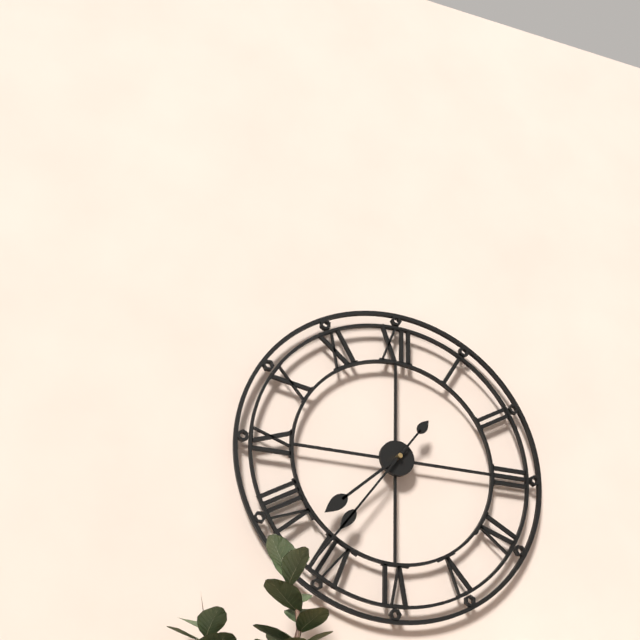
7 h 36 min
